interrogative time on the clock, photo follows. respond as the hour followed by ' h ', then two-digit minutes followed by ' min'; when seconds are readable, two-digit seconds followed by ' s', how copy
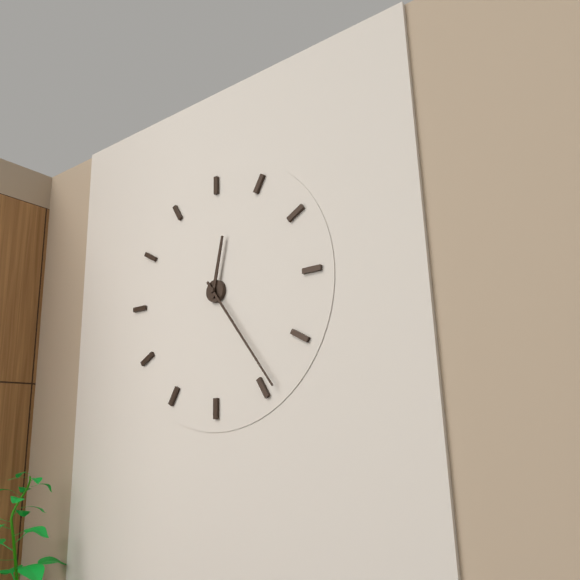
12 h 24 min
